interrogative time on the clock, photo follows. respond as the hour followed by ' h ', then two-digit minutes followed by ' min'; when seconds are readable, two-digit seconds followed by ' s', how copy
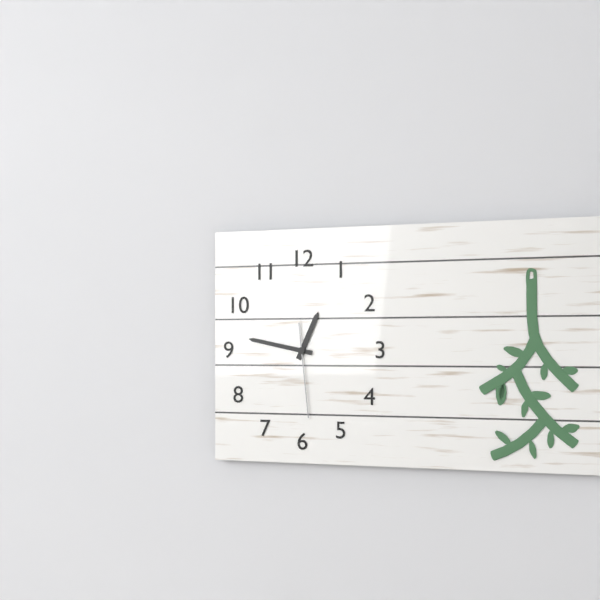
12 h 47 min 29 s
